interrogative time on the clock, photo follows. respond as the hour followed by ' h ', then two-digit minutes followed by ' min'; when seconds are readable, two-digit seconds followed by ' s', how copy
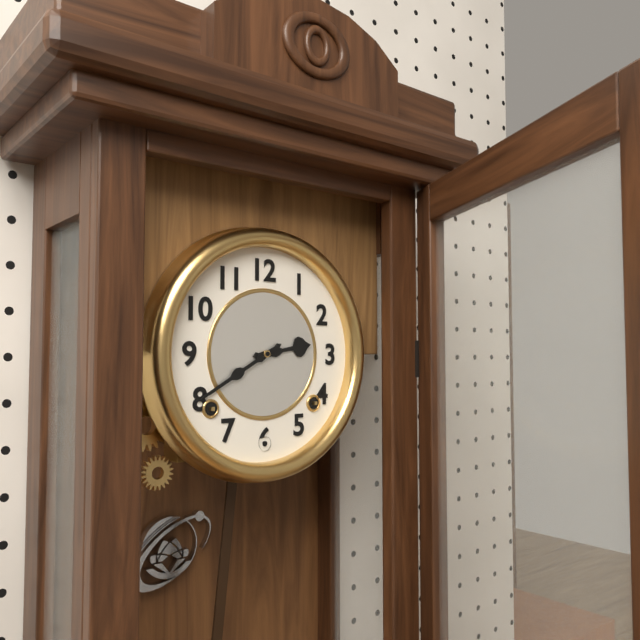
2 h 40 min
